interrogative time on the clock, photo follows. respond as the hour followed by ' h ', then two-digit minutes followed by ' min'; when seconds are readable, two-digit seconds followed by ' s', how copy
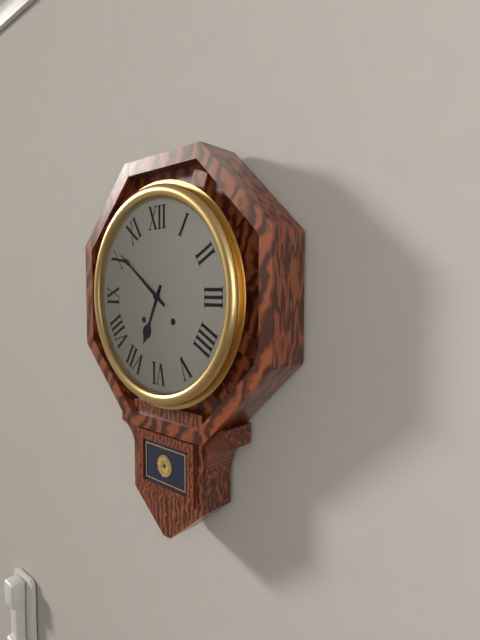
6 h 51 min
